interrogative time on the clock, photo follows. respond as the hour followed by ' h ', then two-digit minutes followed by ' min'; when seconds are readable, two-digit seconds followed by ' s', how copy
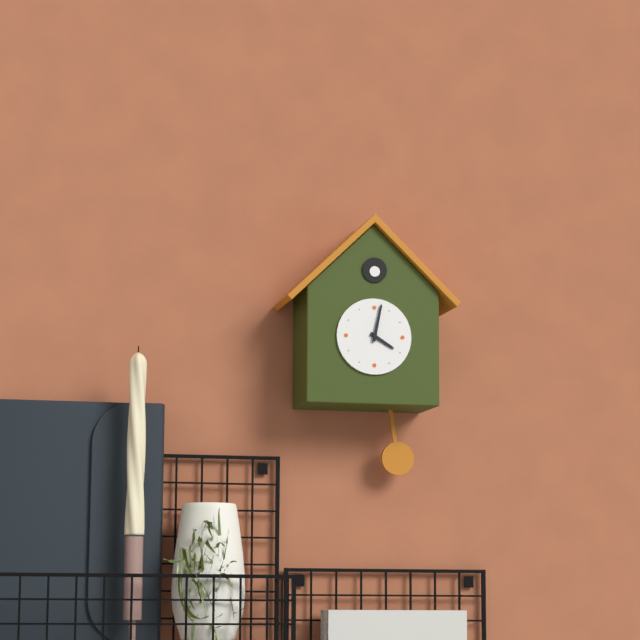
4 h 02 min
